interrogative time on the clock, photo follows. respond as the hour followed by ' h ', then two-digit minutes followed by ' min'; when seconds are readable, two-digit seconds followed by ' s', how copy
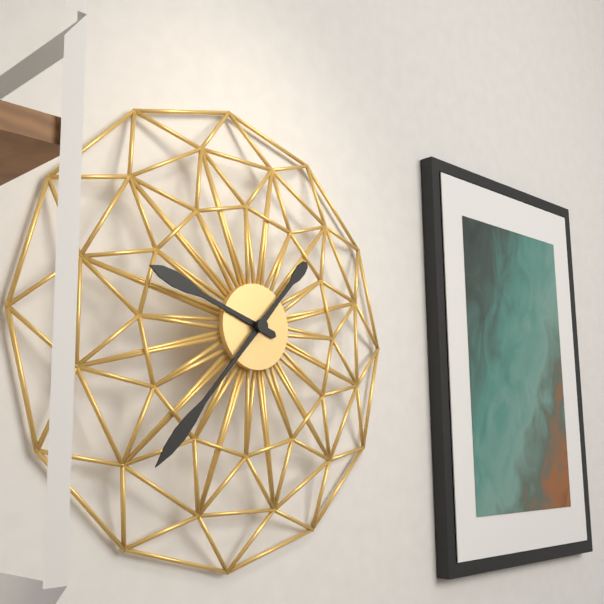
9 h 37 min
